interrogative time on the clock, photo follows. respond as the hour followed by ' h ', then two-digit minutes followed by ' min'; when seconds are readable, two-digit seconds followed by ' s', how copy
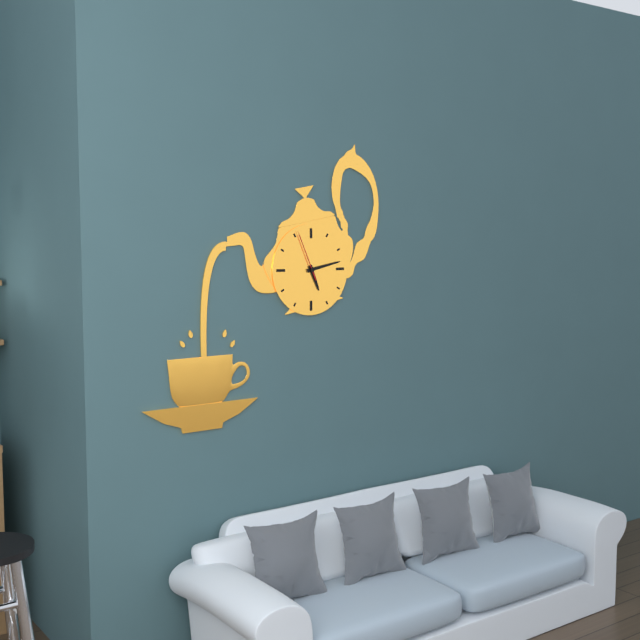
5 h 13 min 56 s
